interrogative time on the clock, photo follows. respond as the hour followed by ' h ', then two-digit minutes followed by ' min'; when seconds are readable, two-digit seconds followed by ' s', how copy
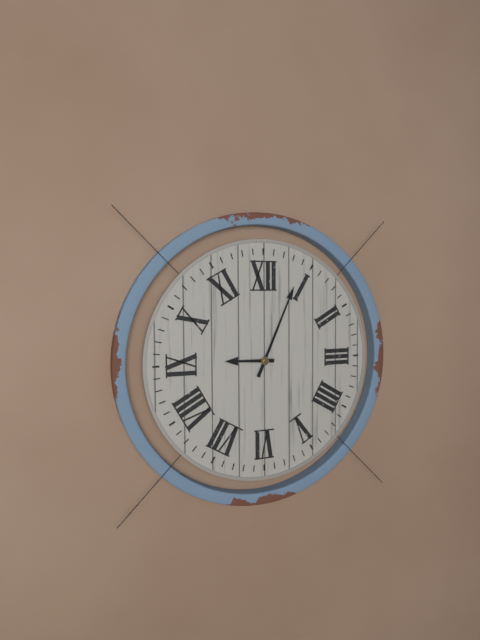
9 h 04 min
